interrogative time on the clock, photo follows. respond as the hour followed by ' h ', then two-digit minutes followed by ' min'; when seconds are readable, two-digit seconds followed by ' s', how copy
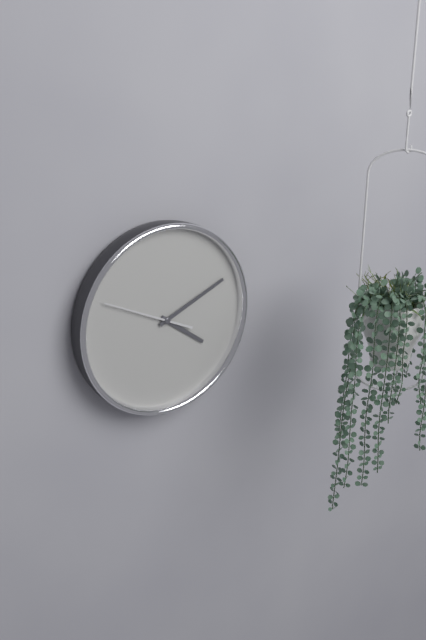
4 h 11 min 49 s
